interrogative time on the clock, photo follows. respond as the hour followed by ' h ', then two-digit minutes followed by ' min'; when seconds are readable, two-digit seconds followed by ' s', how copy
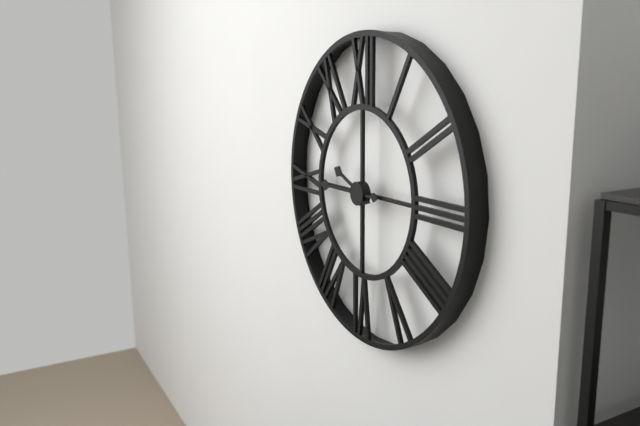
9 h 45 min
